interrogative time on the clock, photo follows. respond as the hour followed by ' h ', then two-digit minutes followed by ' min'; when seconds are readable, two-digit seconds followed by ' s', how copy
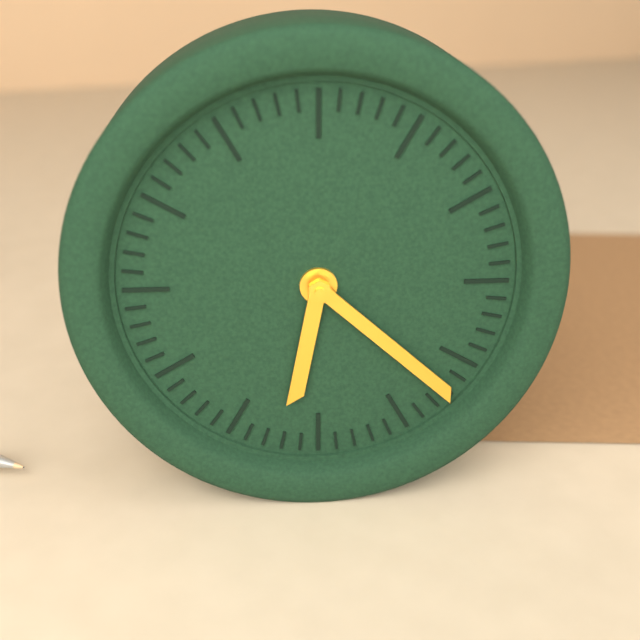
6 h 22 min
